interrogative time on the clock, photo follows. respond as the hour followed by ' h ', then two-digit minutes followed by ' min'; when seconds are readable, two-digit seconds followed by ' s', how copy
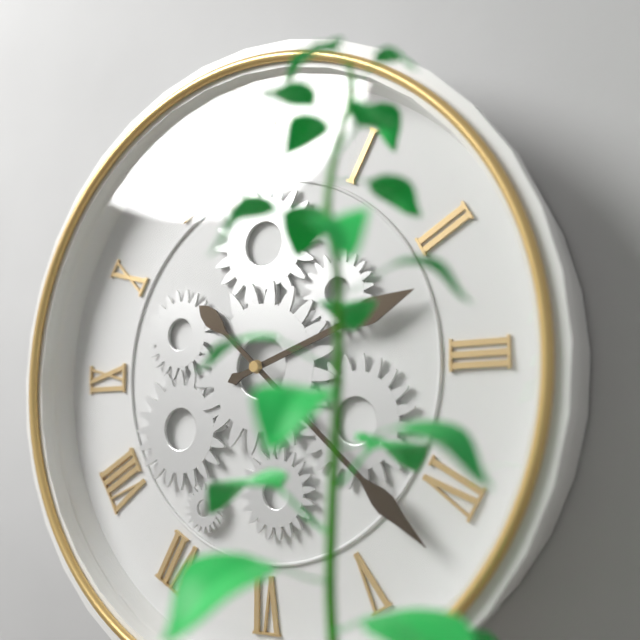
2 h 22 min
